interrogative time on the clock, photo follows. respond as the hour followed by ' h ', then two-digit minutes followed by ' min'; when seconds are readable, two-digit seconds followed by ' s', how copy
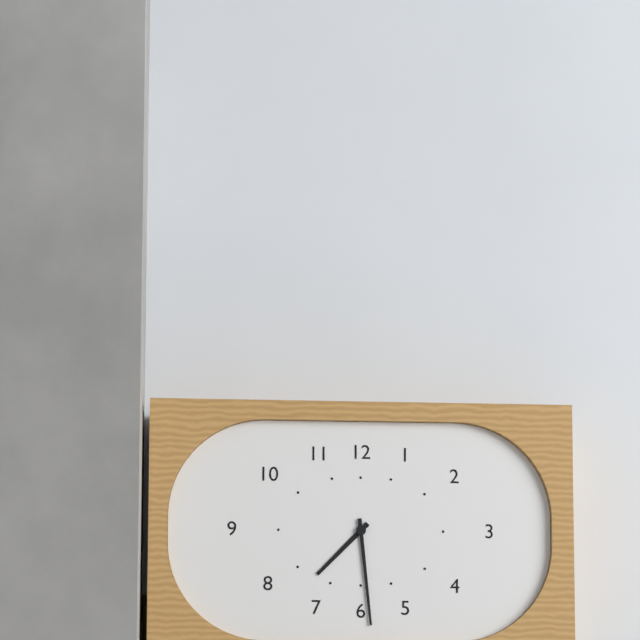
7 h 29 min
